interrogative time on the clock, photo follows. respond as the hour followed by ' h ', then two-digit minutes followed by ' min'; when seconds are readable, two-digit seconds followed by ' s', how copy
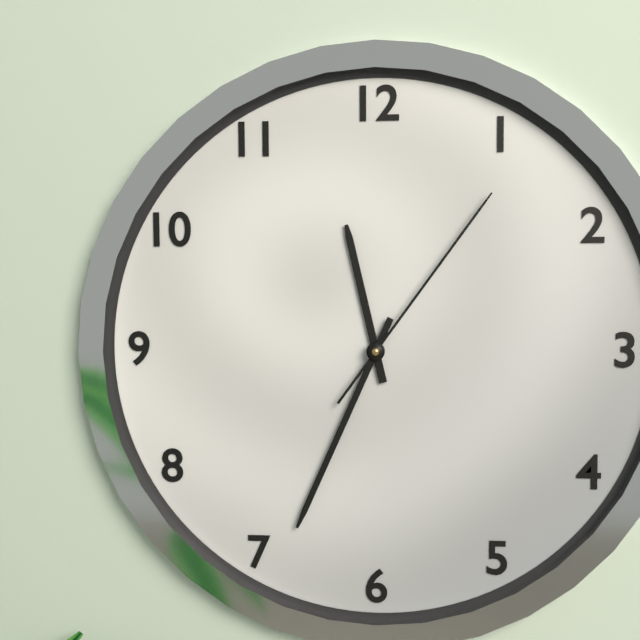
11 h 34 min 06 s
